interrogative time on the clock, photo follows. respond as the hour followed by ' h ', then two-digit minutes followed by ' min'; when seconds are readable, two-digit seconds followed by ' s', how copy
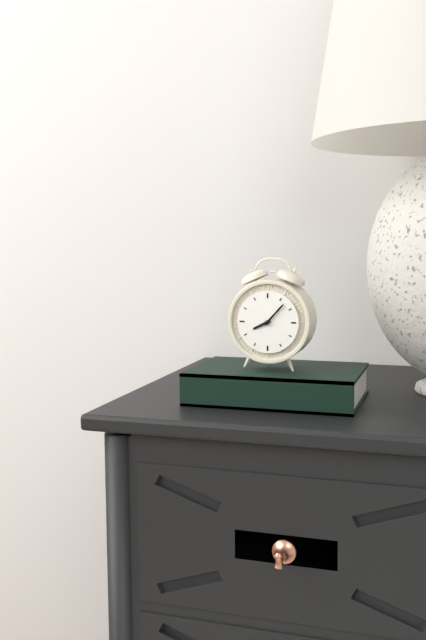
8 h 07 min
